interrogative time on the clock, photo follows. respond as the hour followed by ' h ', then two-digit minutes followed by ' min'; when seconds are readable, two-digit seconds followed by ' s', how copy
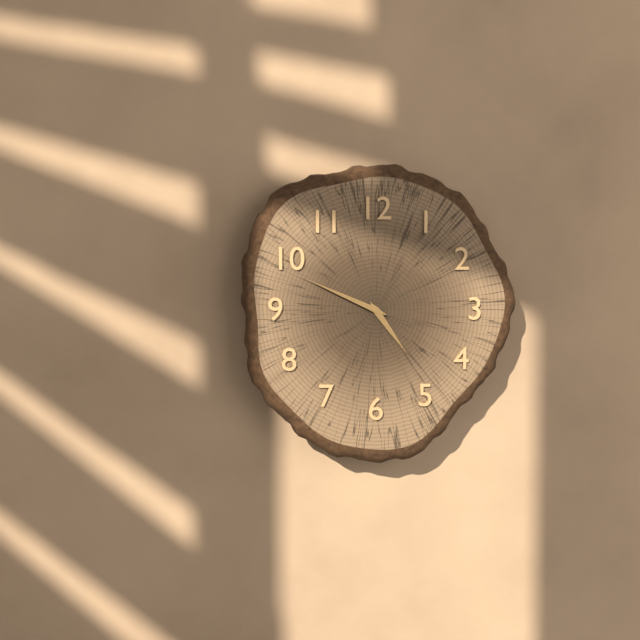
4 h 49 min
